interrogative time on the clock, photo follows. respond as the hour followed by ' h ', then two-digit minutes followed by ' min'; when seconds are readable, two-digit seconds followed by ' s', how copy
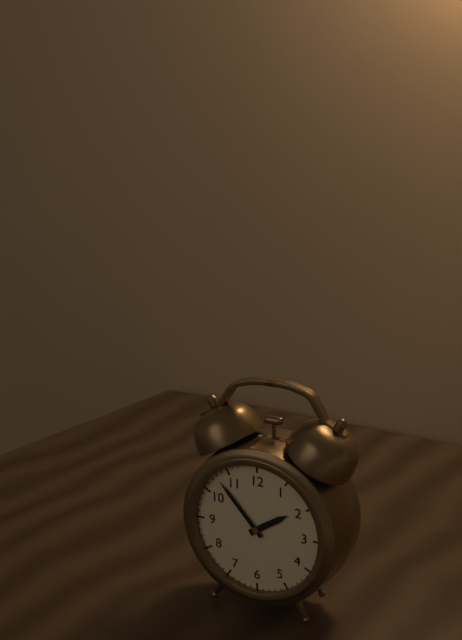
1 h 53 min
